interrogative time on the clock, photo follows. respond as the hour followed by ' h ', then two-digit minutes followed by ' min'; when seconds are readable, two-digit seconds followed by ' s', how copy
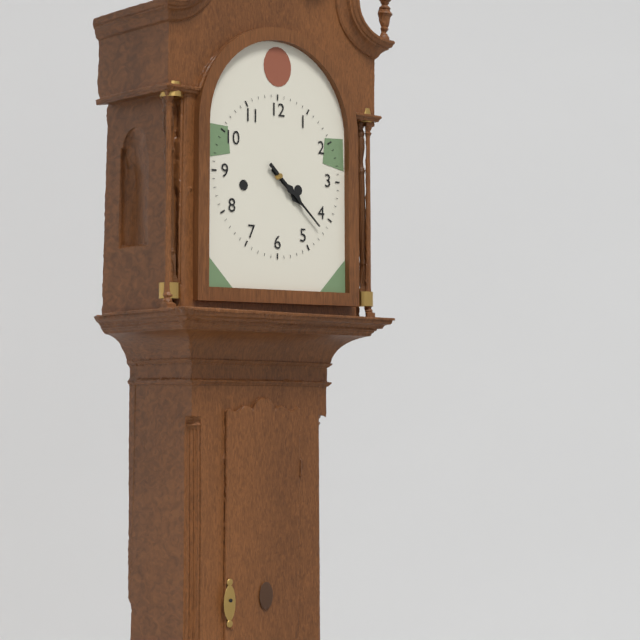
4 h 22 min
